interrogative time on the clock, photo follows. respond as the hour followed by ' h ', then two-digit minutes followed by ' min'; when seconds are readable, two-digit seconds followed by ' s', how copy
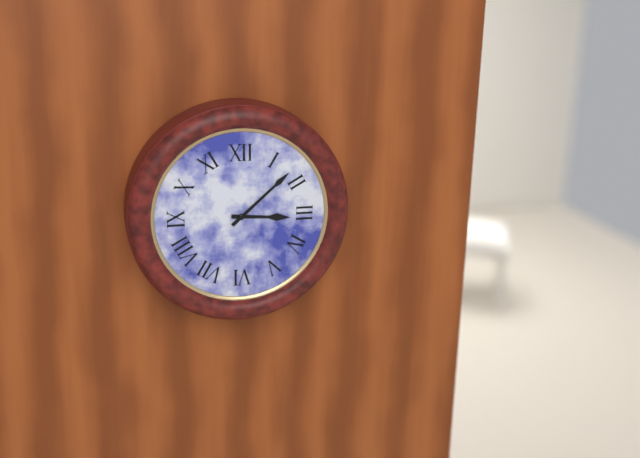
3 h 08 min
